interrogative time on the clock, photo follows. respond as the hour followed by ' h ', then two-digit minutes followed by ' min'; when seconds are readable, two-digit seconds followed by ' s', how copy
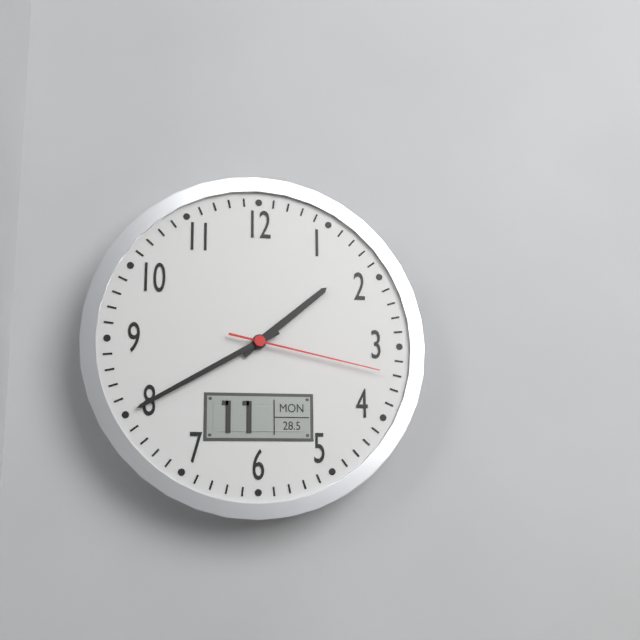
1 h 40 min 17 s
